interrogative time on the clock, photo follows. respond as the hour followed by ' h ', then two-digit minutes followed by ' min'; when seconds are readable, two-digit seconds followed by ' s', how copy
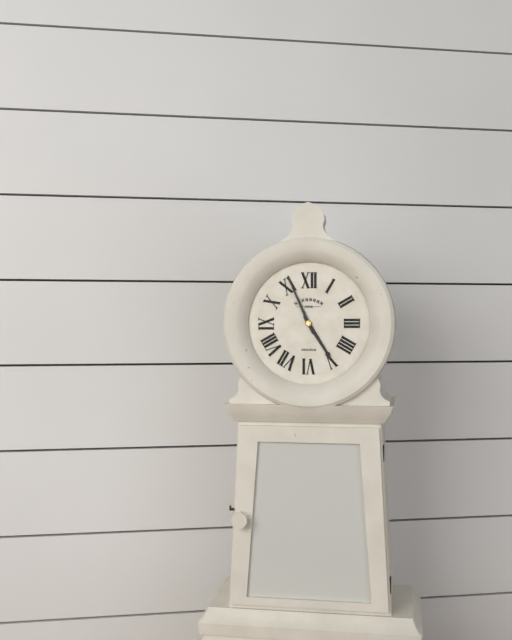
4 h 56 min
